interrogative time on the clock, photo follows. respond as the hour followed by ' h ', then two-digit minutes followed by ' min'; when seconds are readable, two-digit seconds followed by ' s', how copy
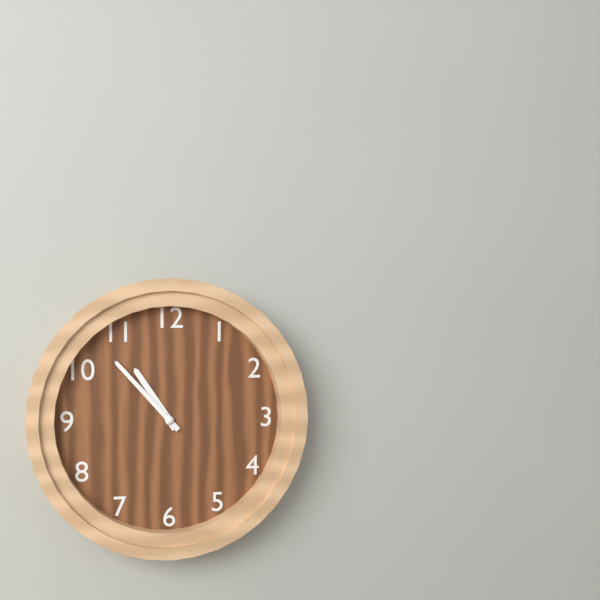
10 h 53 min
